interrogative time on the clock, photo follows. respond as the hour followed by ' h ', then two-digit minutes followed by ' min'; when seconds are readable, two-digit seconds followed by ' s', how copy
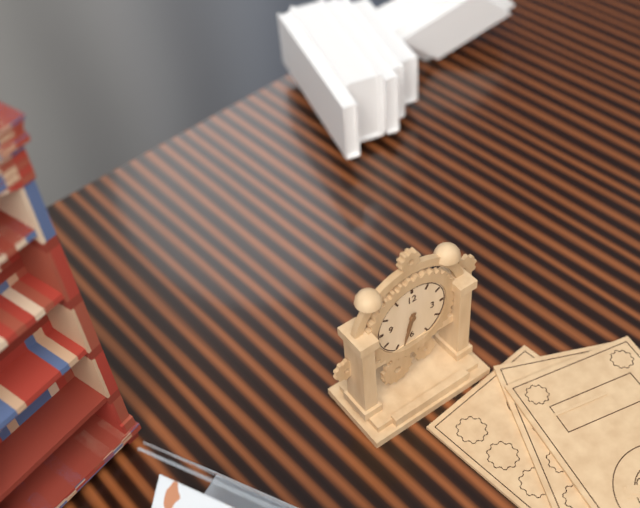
6 h 33 min
